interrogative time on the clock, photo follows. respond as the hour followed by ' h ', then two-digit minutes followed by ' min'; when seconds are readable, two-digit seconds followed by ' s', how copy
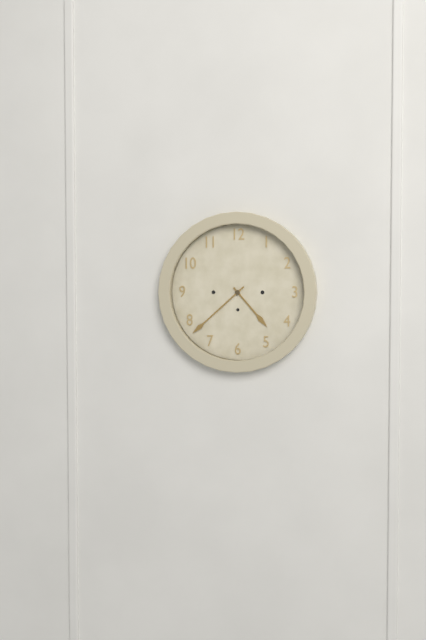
4 h 38 min
